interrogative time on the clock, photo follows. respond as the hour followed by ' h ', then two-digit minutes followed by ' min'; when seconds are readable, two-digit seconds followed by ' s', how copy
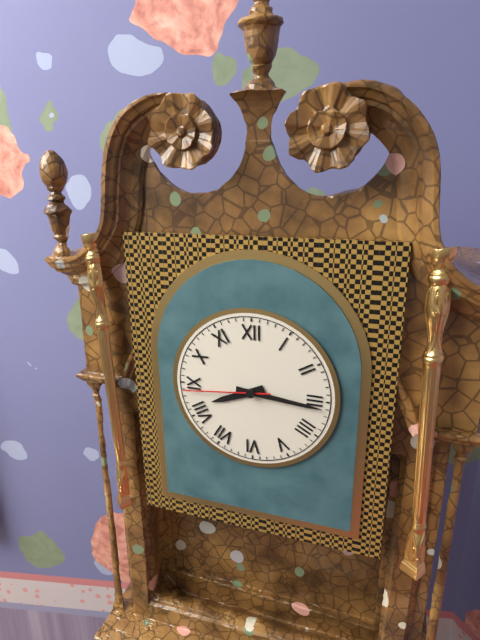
8 h 16 min 44 s
